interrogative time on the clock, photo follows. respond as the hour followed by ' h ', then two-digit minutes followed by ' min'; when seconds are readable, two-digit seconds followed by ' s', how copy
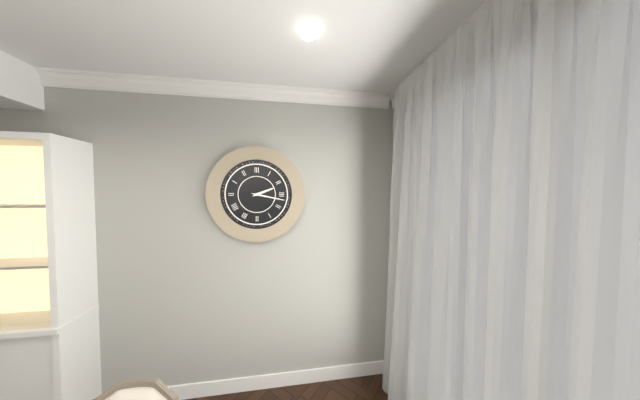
2 h 17 min
